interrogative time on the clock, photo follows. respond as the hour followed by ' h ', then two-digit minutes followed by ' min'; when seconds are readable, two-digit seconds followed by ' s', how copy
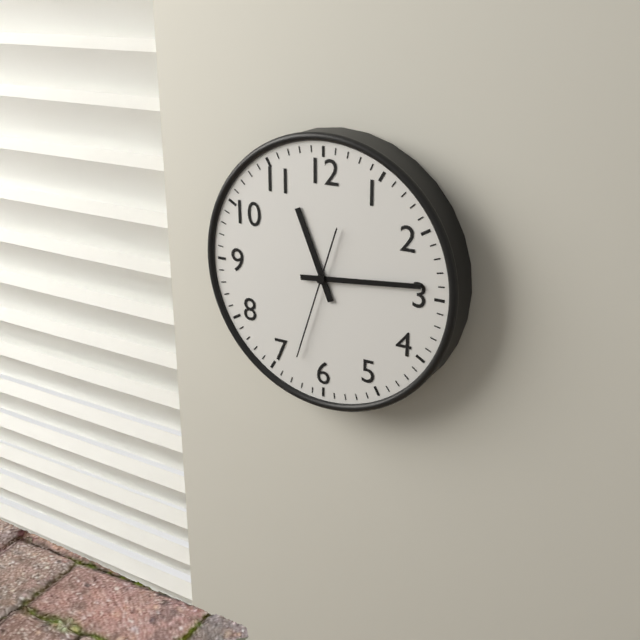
11 h 14 min 33 s
